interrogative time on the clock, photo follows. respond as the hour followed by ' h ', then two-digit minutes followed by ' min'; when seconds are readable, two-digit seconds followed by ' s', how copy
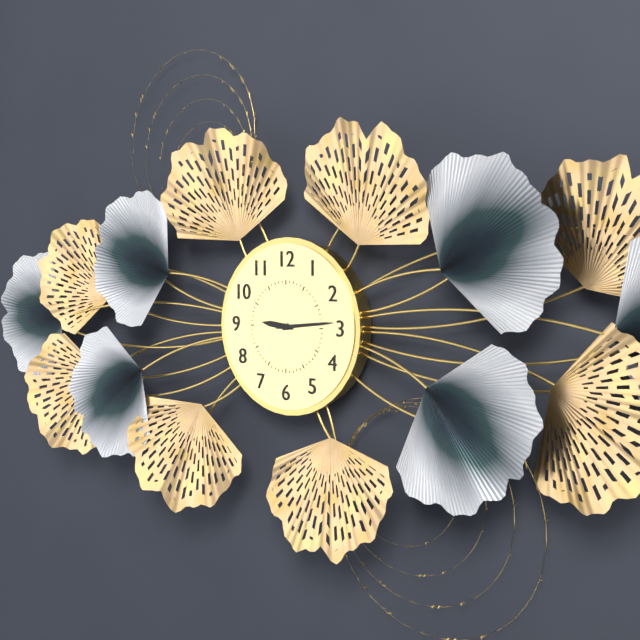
9 h 14 min
